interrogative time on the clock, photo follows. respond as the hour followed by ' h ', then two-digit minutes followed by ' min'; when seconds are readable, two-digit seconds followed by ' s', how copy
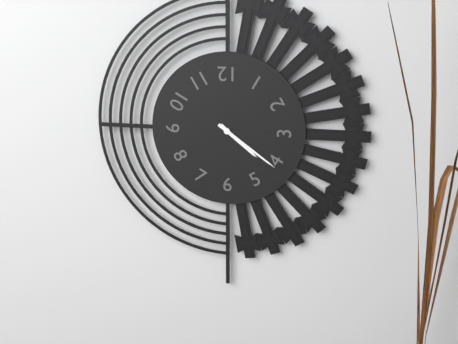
4 h 21 min
